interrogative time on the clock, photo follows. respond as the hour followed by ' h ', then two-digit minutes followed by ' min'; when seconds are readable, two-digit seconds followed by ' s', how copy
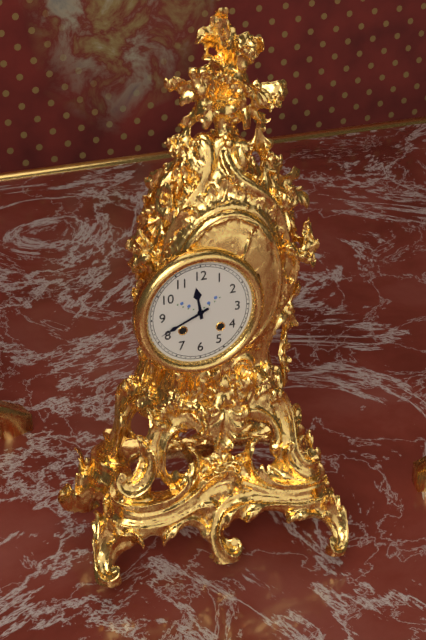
11 h 41 min
